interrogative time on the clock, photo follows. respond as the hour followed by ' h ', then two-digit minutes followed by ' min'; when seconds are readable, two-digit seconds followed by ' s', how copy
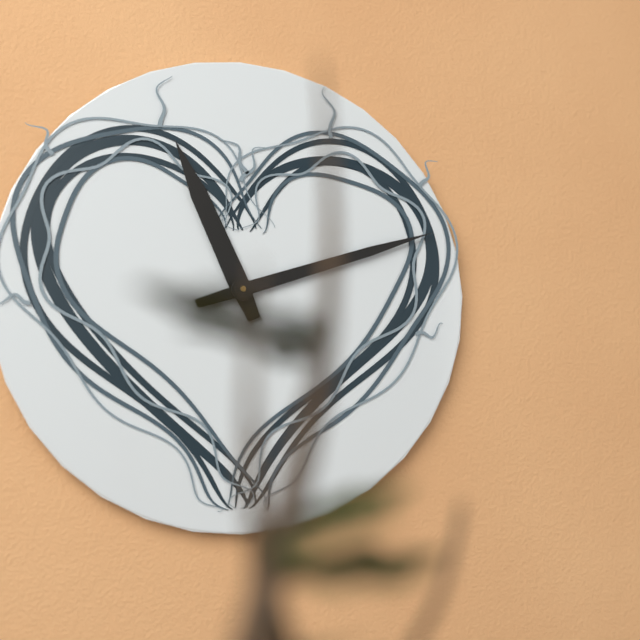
11 h 12 min
